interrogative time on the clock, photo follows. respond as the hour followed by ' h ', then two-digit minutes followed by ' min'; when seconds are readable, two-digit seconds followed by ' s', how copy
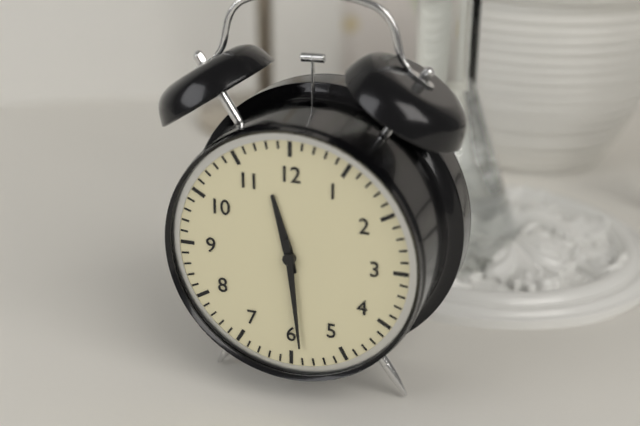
11 h 29 min
